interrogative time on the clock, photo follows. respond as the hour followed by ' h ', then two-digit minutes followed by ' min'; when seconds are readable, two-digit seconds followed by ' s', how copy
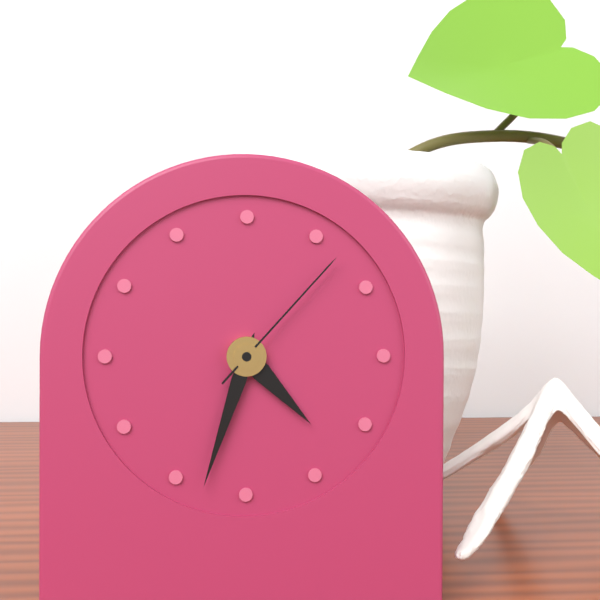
4 h 33 min 07 s
